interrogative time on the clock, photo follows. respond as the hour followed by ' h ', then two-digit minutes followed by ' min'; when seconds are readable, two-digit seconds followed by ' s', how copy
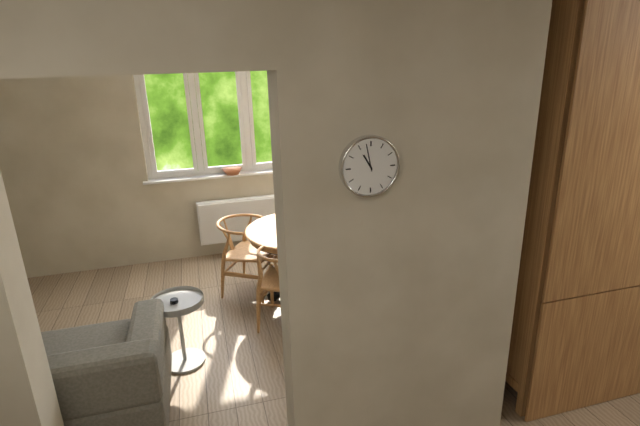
10 h 58 min
